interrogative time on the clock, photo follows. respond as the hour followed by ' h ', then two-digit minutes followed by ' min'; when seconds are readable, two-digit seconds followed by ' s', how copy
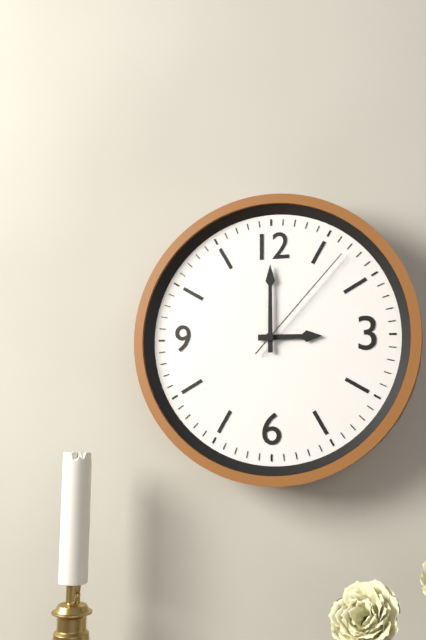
3 h 00 min 07 s
